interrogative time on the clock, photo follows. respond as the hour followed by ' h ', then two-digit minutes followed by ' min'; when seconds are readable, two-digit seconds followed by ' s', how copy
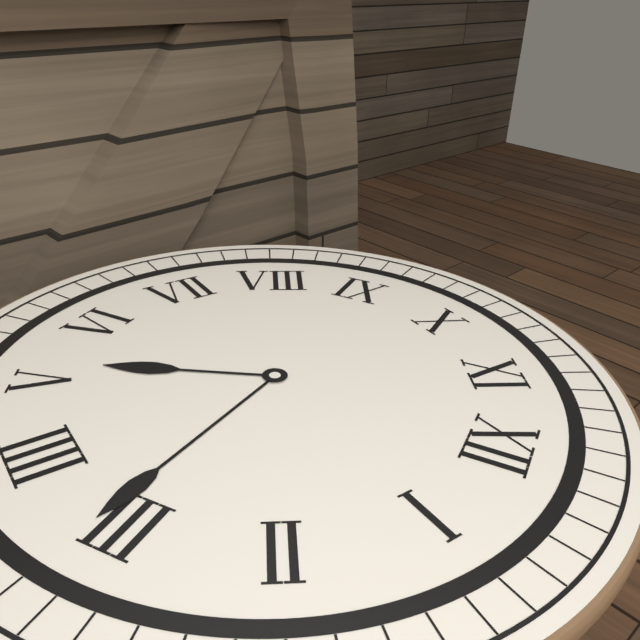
5 h 16 min
